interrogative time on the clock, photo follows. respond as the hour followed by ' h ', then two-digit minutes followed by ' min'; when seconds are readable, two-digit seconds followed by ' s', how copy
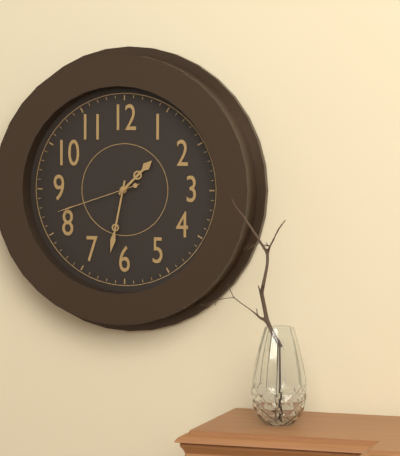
1 h 32 min 42 s
